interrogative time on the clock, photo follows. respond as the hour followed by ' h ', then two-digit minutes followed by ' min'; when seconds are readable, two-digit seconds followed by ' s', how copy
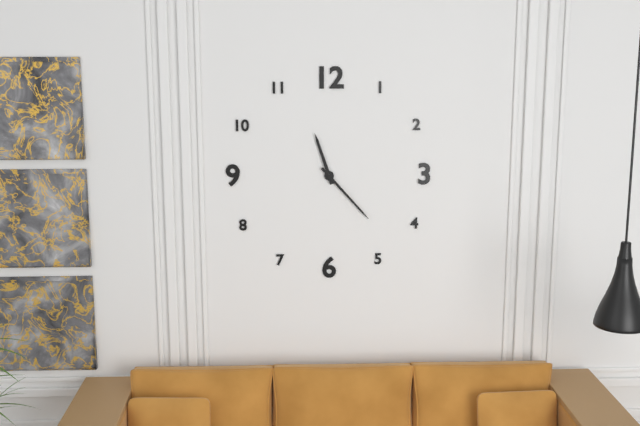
11 h 23 min
